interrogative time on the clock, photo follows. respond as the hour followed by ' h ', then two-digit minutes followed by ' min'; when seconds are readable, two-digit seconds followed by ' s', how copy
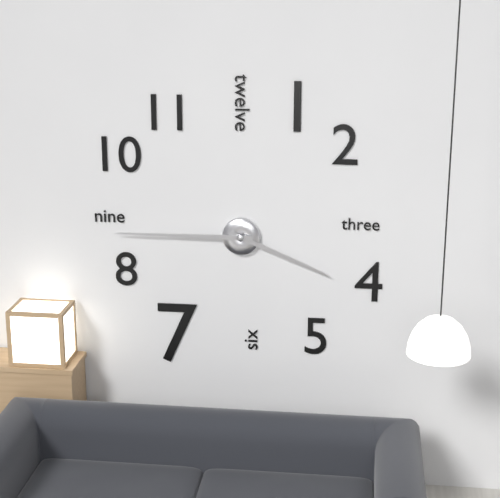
3 h 45 min
